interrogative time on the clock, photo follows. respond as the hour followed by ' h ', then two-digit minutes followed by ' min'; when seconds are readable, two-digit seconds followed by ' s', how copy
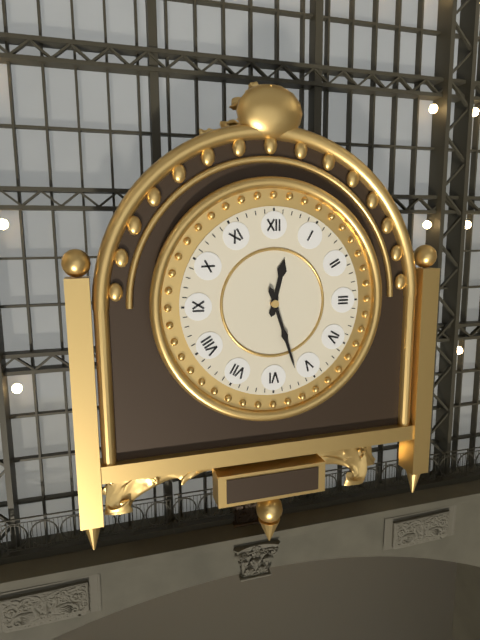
12 h 27 min
